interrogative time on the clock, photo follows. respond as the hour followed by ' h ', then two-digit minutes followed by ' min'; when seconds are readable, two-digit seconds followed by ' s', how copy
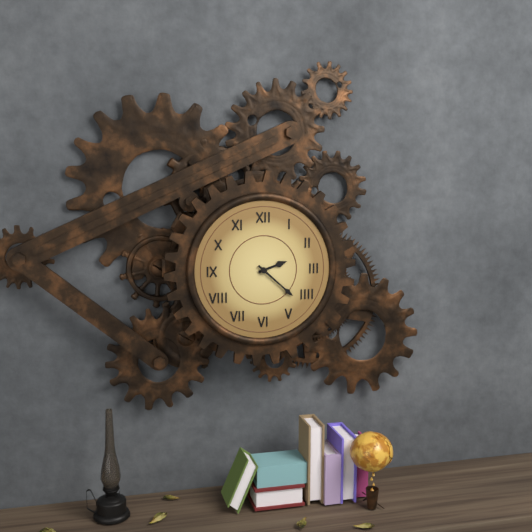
2 h 22 min
